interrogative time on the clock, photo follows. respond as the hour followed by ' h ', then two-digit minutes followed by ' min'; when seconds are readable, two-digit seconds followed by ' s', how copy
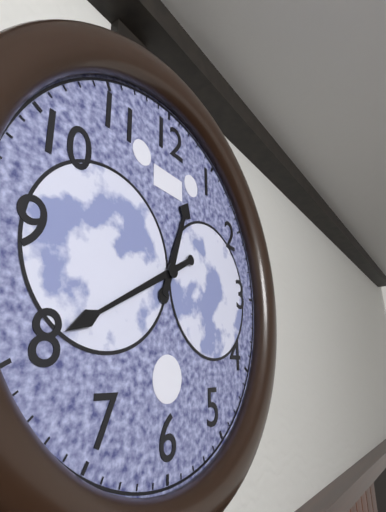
12 h 40 min
